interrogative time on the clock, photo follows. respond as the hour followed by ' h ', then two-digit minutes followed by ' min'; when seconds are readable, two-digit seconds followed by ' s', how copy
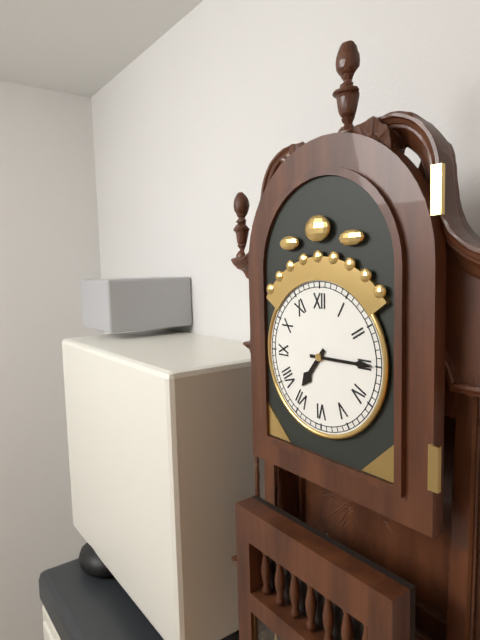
7 h 15 min
